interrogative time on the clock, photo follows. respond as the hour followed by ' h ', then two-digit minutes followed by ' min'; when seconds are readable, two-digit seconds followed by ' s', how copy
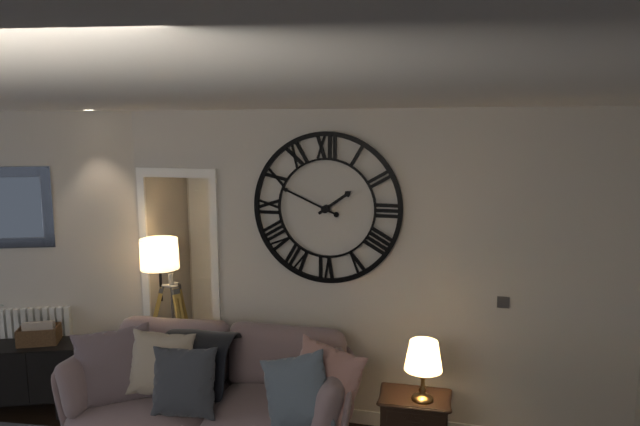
1 h 49 min
